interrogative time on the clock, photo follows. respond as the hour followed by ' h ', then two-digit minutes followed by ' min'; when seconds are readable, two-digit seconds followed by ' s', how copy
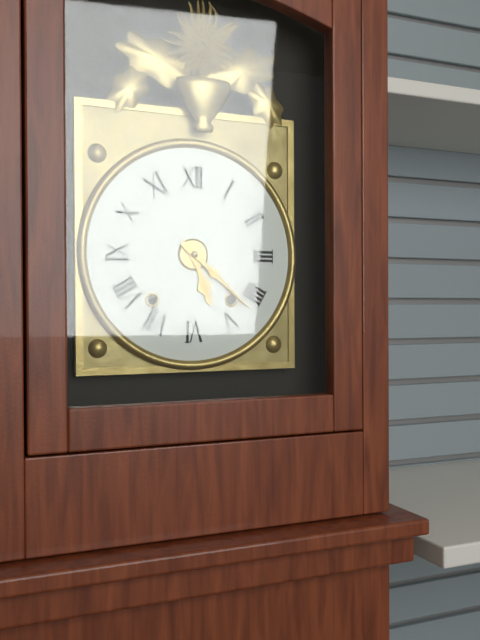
5 h 22 min
